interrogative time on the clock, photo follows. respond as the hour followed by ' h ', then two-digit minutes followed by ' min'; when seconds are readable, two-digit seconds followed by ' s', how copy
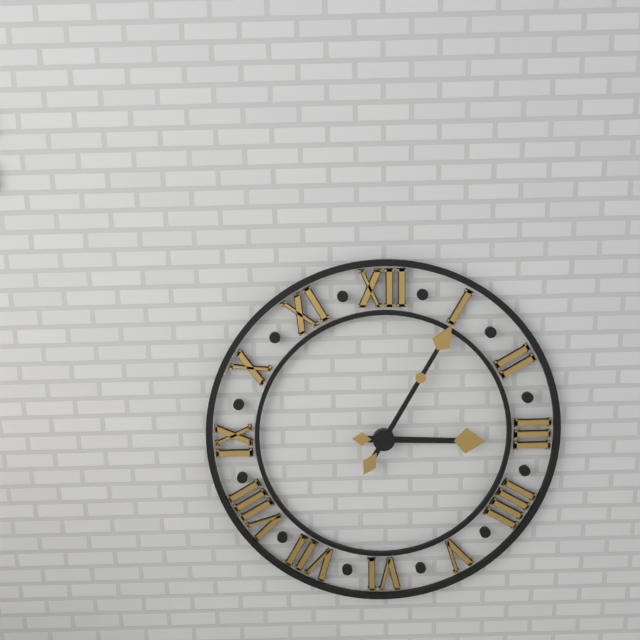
3 h 05 min
